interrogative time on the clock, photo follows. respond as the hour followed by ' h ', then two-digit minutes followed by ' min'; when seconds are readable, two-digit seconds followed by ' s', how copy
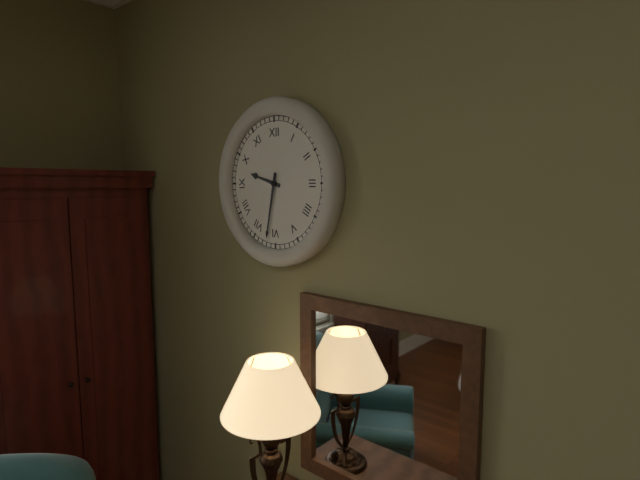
9 h 32 min
